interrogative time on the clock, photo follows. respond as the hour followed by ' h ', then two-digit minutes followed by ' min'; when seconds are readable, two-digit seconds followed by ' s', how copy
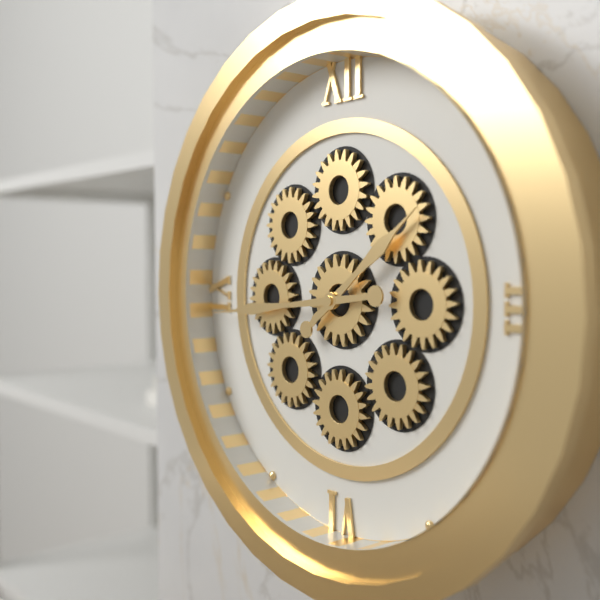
1 h 44 min
